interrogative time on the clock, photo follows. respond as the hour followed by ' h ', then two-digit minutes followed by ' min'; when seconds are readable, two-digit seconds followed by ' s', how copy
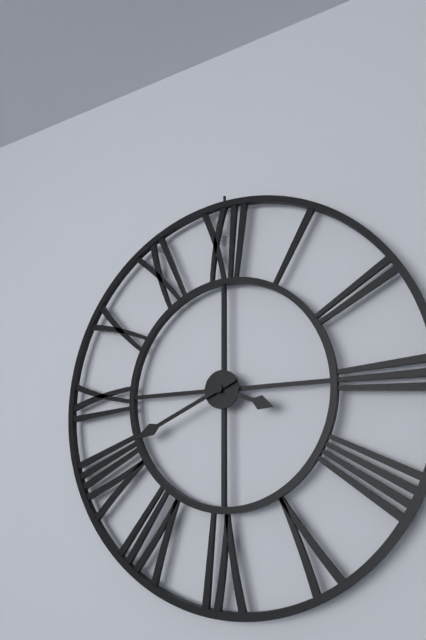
3 h 41 min
